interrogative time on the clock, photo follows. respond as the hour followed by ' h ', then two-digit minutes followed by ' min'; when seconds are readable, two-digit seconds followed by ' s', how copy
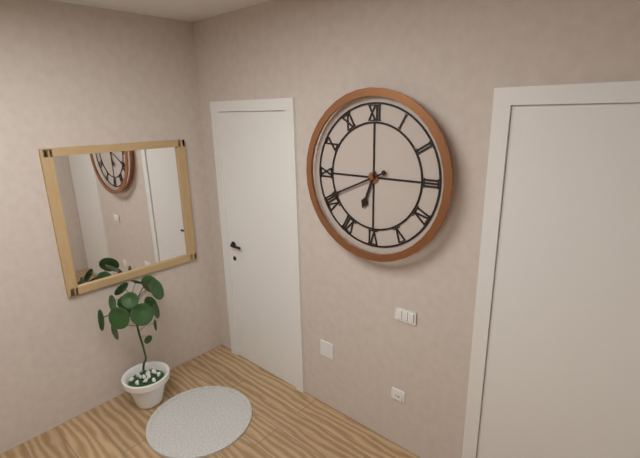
6 h 41 min
